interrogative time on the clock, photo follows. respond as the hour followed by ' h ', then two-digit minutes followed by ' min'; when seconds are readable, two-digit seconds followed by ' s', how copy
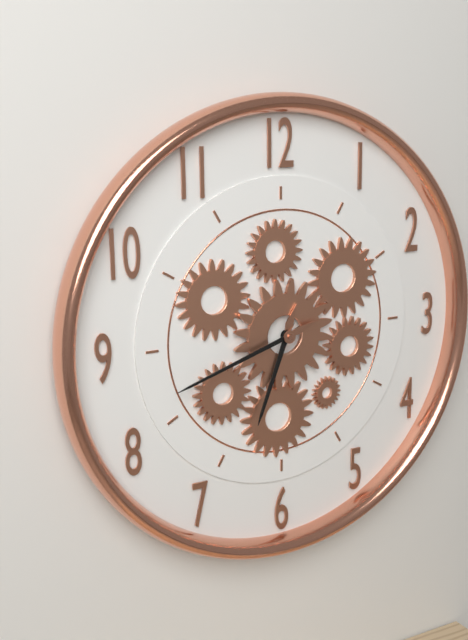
6 h 42 min
